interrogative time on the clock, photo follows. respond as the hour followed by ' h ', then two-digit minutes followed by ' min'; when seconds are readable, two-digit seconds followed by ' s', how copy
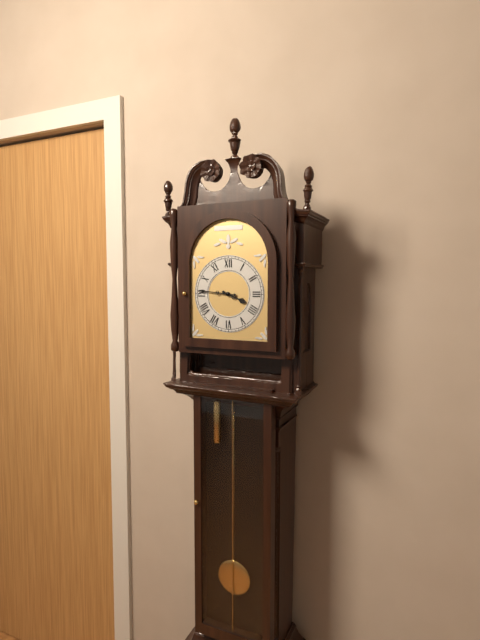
3 h 46 min
